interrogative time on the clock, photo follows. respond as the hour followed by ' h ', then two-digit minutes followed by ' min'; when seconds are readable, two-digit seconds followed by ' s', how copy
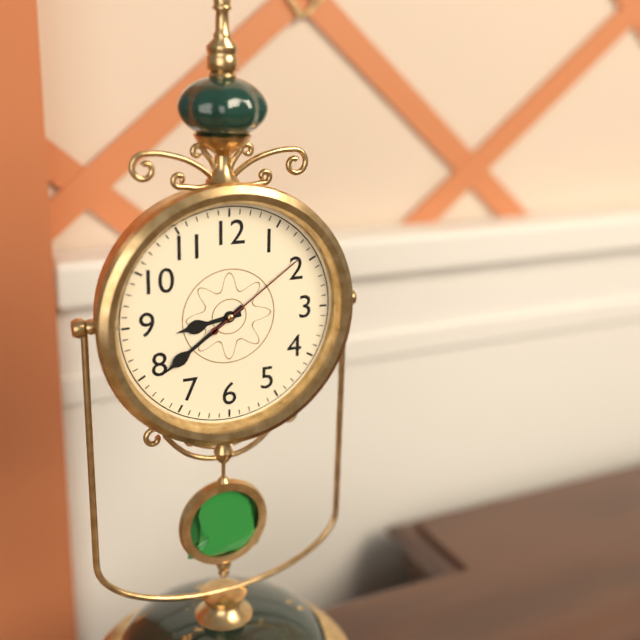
8 h 39 min 09 s
